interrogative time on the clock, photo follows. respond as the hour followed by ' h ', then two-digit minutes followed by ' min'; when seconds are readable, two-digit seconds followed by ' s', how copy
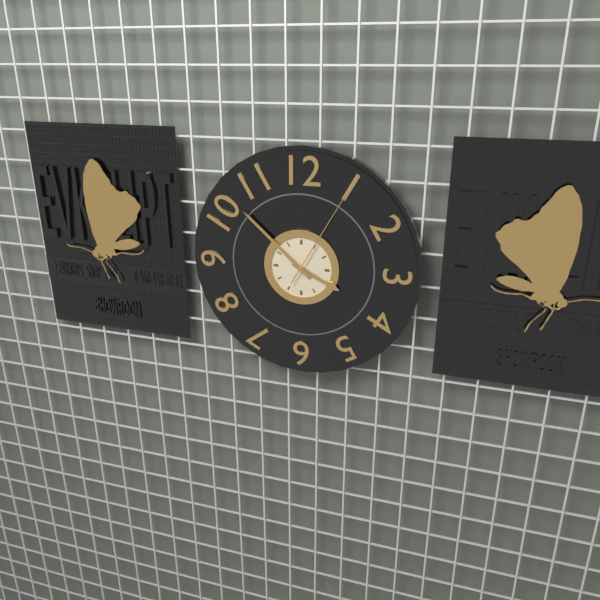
3 h 52 min 05 s
